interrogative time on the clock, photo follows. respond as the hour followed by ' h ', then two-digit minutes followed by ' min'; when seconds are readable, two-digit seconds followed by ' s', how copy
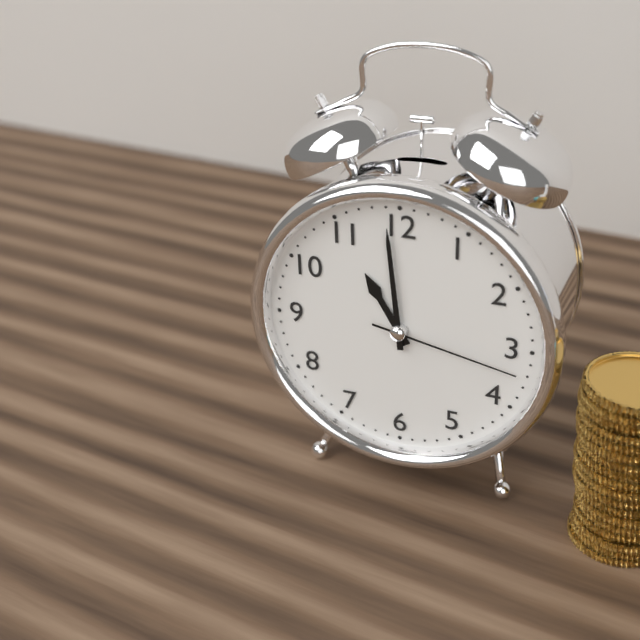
10 h 59 min 17 s
